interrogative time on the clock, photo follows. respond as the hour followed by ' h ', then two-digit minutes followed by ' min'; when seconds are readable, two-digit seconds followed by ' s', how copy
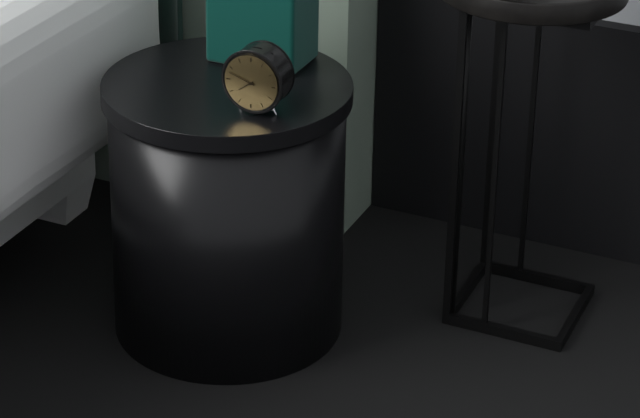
7 h 48 min
